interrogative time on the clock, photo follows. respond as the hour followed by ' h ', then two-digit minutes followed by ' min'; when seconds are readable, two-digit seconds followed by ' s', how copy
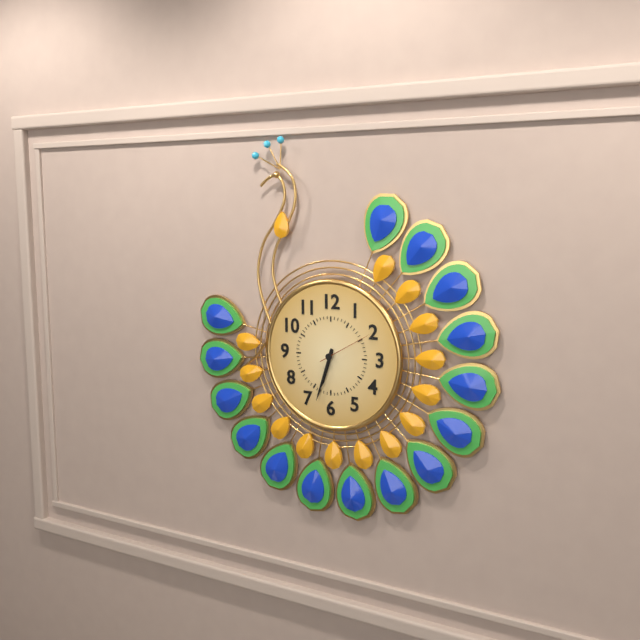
6 h 33 min 10 s
